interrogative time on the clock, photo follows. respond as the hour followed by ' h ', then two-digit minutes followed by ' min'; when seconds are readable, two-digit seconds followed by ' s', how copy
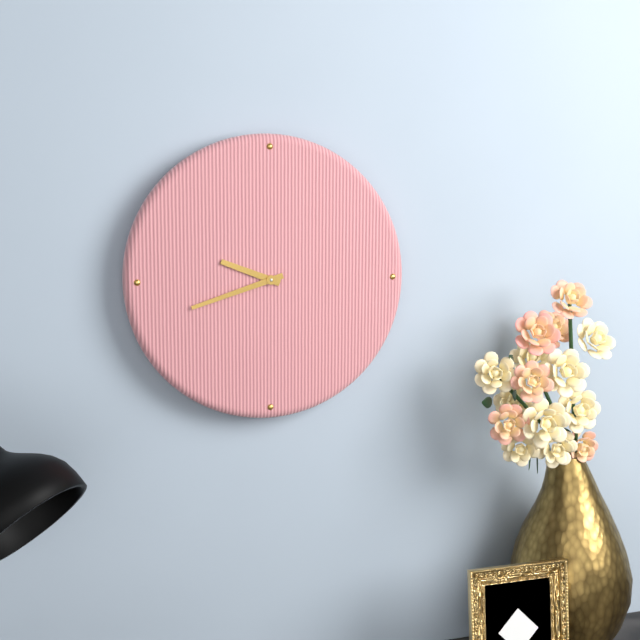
9 h 42 min
